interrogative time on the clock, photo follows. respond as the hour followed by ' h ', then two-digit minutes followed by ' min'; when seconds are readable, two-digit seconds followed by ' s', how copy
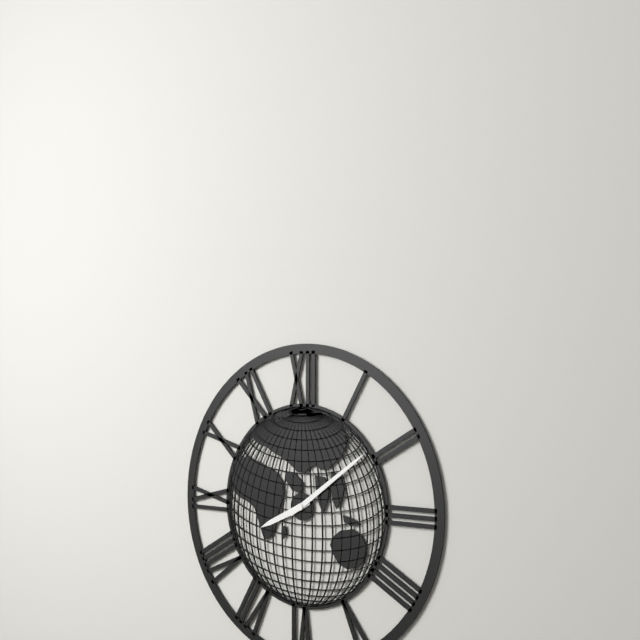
8 h 09 min
